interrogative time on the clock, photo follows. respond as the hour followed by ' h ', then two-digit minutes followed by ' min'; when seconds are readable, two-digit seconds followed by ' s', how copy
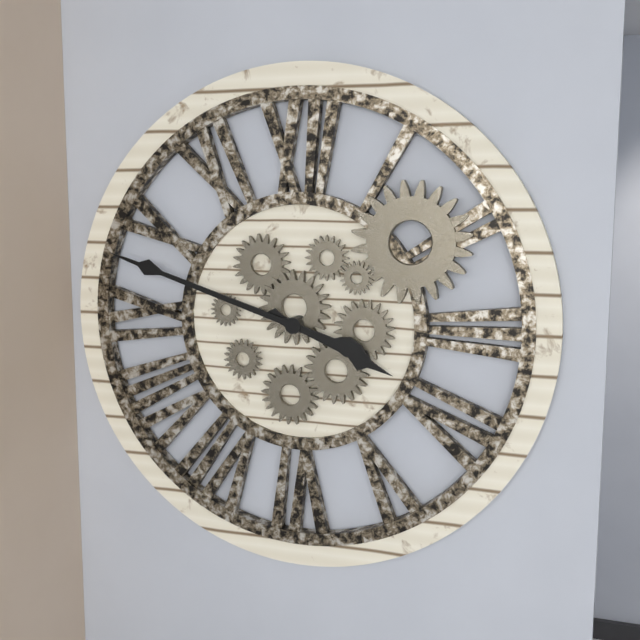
3 h 48 min
